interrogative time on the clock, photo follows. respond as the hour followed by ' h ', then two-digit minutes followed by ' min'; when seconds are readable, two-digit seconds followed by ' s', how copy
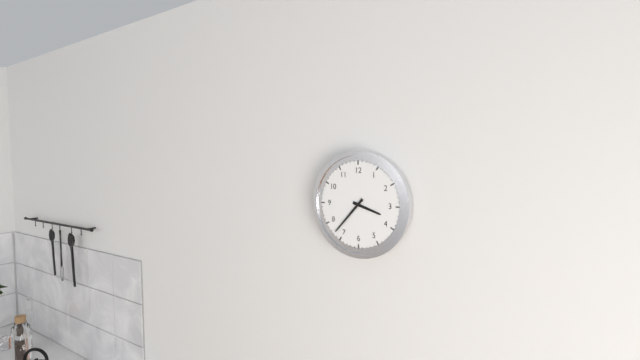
3 h 37 min
